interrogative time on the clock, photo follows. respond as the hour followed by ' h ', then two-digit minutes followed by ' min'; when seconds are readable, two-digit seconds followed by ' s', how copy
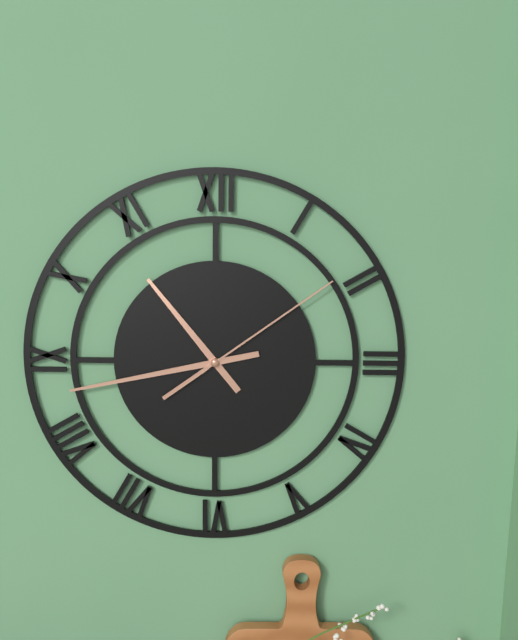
10 h 43 min 09 s
